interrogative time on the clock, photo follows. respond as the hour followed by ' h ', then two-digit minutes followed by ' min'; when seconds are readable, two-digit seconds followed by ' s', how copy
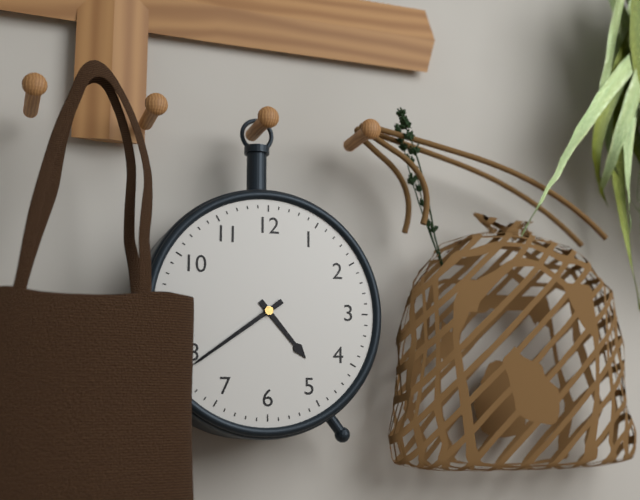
4 h 39 min
